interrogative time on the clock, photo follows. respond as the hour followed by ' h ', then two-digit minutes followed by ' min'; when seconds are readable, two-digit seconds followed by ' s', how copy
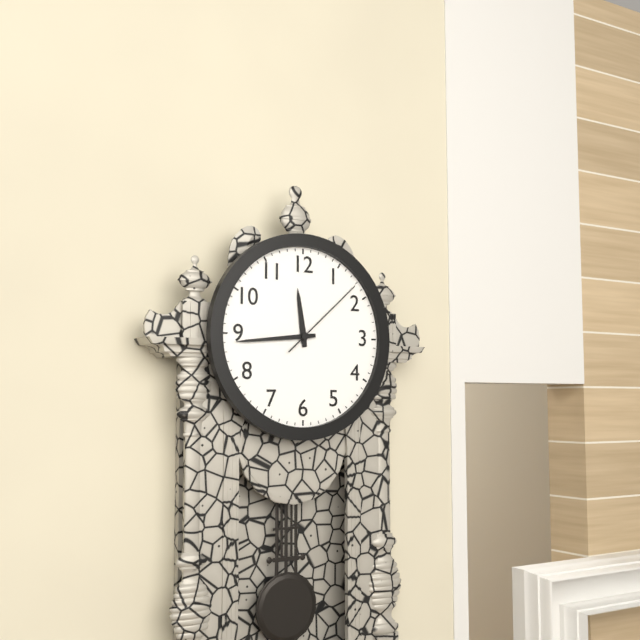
11 h 44 min 08 s
